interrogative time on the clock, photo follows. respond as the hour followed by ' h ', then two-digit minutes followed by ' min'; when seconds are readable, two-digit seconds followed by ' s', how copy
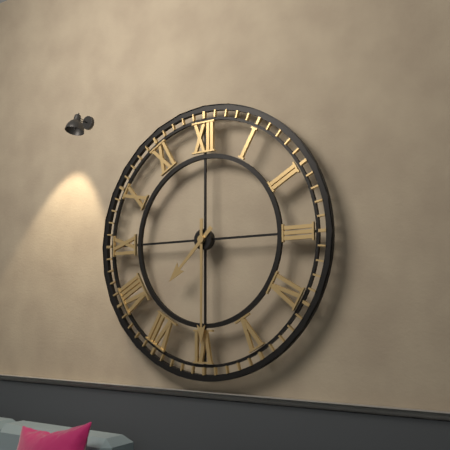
7 h 30 min
